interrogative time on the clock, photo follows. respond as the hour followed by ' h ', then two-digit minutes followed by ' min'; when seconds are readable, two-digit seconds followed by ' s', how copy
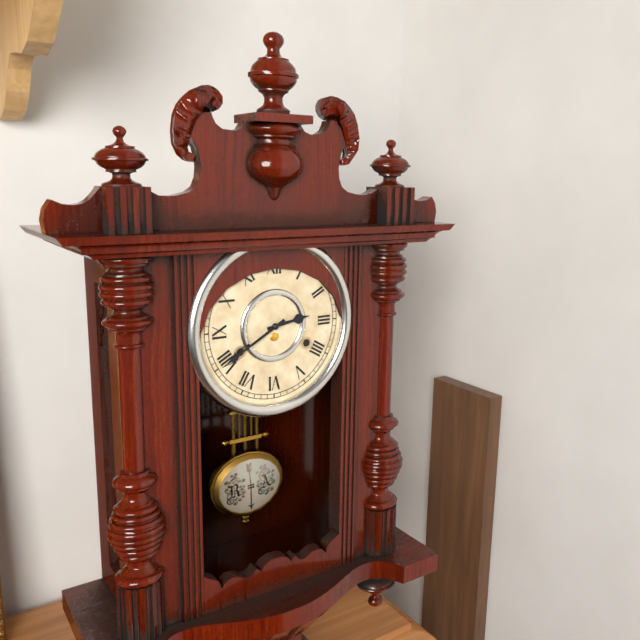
2 h 40 min
